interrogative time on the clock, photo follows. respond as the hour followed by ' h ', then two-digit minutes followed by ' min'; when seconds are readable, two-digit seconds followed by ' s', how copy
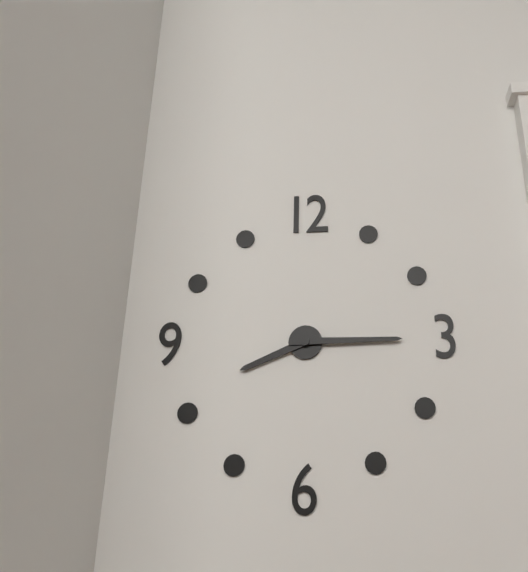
8 h 15 min
